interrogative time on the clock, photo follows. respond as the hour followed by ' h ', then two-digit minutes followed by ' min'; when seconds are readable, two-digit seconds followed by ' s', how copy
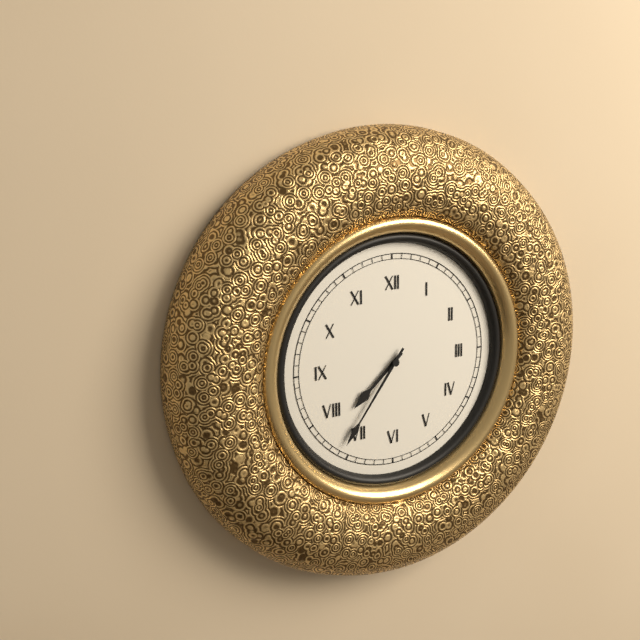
7 h 36 min
